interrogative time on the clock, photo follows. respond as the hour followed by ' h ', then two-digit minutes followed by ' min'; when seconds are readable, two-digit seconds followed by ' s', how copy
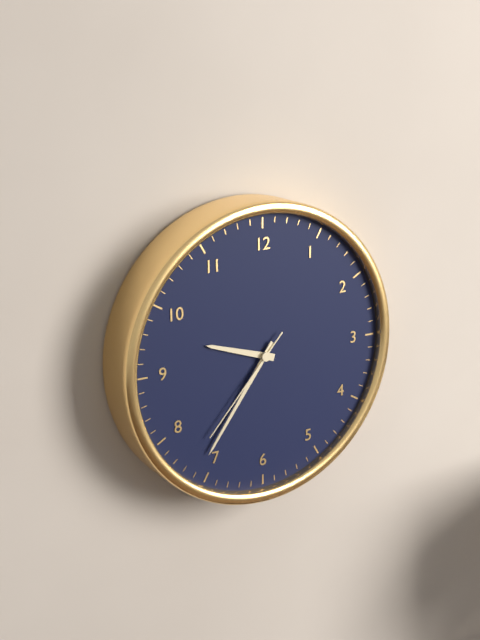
9 h 36 min 37 s
